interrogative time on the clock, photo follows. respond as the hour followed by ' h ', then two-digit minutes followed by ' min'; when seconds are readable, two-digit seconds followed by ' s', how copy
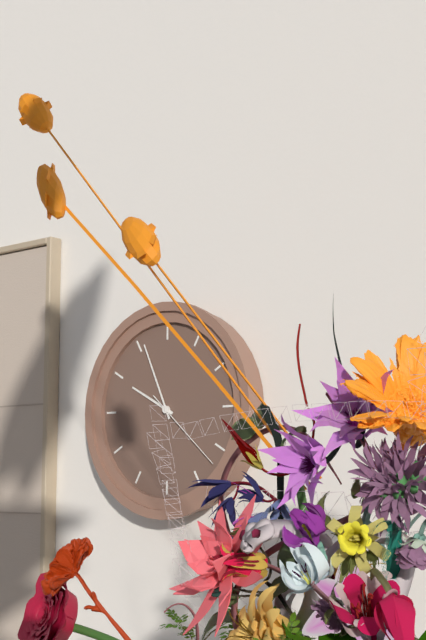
9 h 56 min 22 s
